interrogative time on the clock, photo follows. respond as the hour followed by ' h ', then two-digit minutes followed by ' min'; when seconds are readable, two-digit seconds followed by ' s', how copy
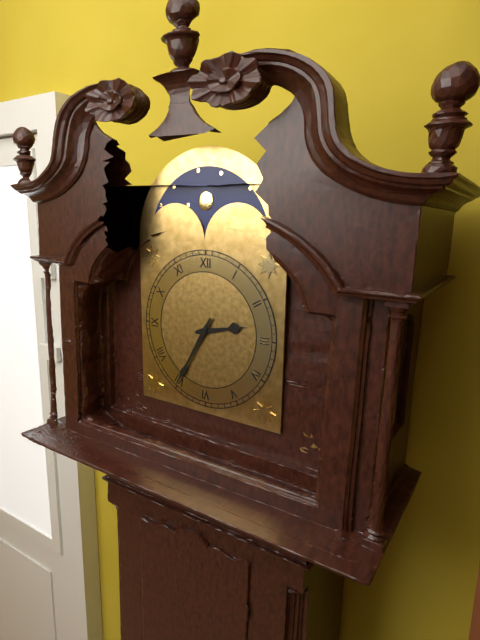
2 h 35 min
